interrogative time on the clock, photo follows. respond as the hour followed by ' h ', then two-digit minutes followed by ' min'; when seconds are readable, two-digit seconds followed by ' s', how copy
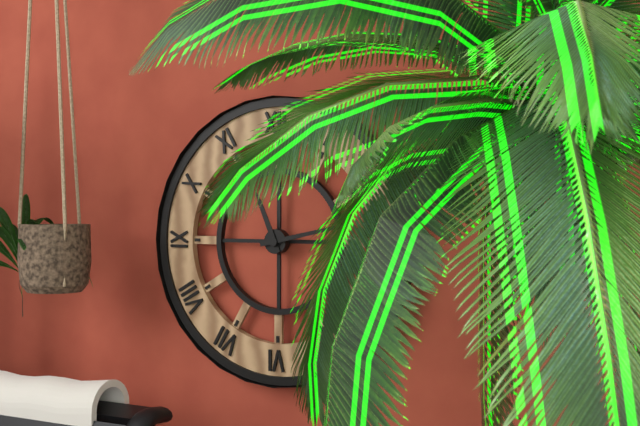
11 h 13 min
